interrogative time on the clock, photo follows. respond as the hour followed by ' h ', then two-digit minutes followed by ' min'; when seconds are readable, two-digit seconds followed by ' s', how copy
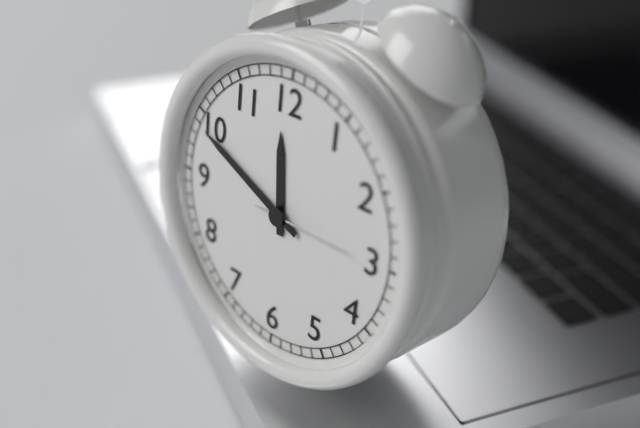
11 h 49 min 15 s
